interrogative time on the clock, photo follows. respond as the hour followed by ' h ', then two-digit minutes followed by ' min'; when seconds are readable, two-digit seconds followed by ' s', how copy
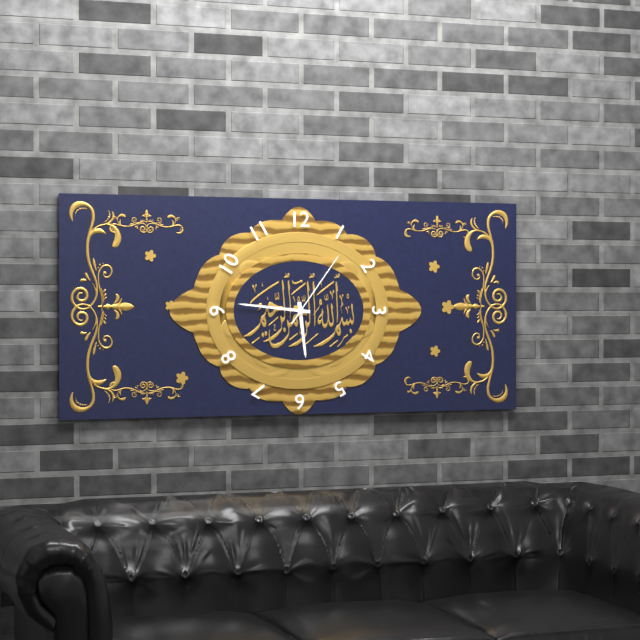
5 h 46 min 06 s
